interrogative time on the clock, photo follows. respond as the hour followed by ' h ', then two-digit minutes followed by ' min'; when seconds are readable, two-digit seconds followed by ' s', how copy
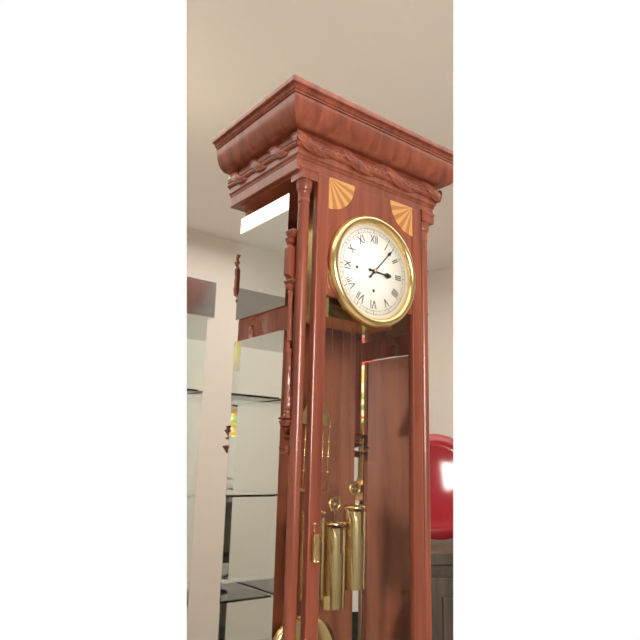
3 h 07 min
